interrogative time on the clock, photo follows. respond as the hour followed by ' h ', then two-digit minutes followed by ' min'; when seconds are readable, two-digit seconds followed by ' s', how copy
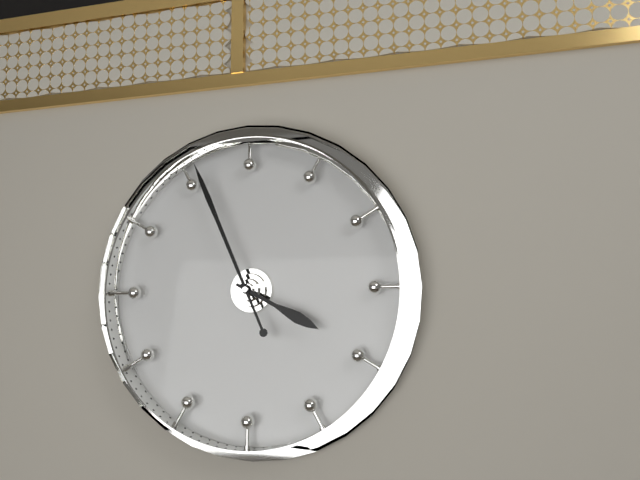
3 h 56 min
